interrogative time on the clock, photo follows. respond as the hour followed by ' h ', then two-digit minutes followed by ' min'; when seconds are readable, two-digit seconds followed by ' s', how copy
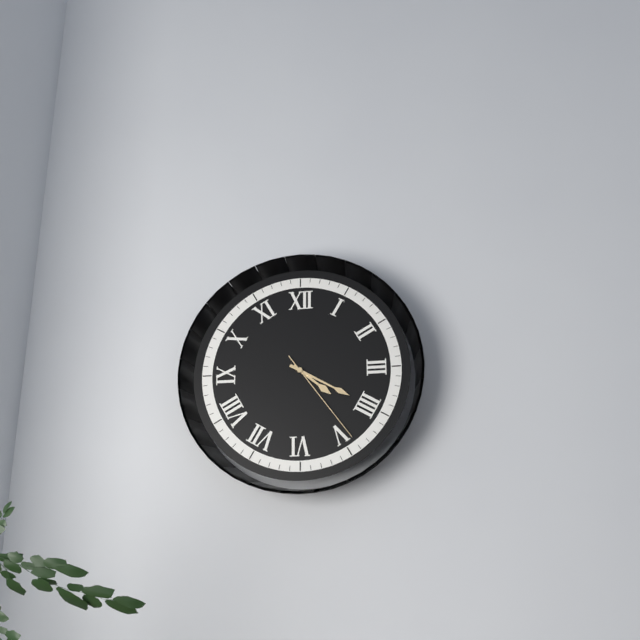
4 h 20 min 24 s
